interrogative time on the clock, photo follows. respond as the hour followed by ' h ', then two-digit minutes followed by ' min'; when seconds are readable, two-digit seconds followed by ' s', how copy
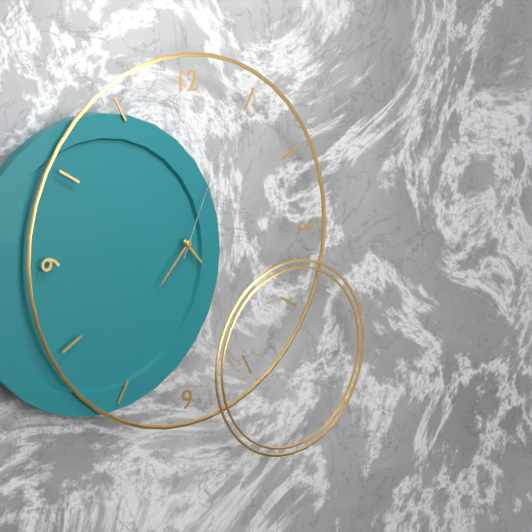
4 h 37 min 04 s
